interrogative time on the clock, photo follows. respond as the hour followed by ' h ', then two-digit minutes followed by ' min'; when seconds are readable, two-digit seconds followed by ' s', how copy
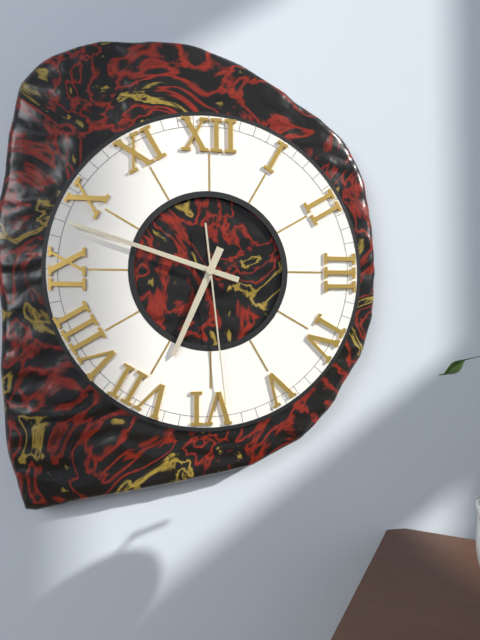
6 h 48 min 29 s
